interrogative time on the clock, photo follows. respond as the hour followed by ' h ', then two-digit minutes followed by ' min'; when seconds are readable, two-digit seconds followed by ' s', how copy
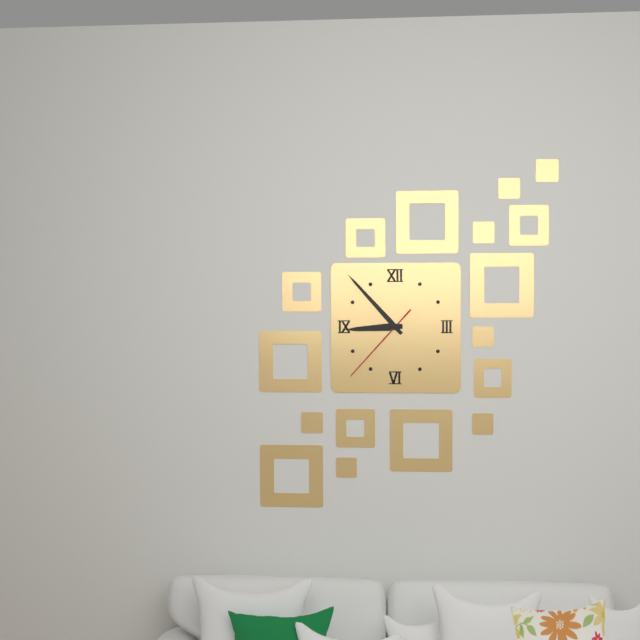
8 h 53 min 37 s
